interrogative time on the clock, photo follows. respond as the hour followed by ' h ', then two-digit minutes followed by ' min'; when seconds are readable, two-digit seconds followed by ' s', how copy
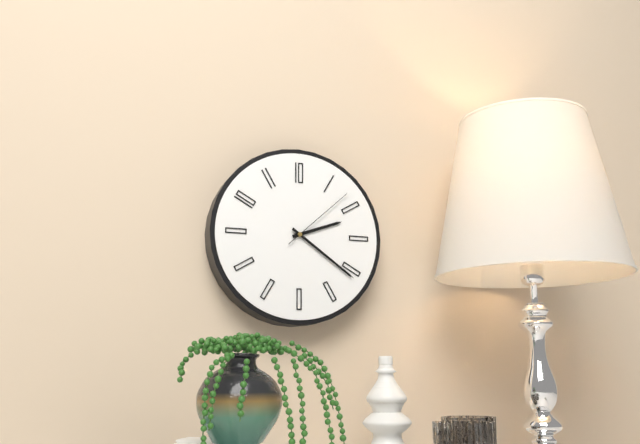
2 h 21 min 08 s
